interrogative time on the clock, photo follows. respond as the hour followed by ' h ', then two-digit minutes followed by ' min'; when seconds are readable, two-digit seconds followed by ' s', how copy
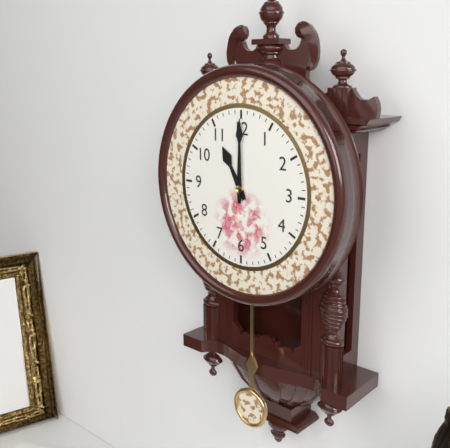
11 h 00 min
